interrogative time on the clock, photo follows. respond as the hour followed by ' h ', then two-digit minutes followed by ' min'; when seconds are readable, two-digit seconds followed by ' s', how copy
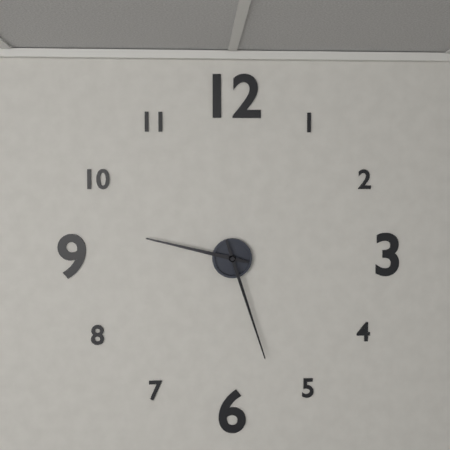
9 h 27 min
